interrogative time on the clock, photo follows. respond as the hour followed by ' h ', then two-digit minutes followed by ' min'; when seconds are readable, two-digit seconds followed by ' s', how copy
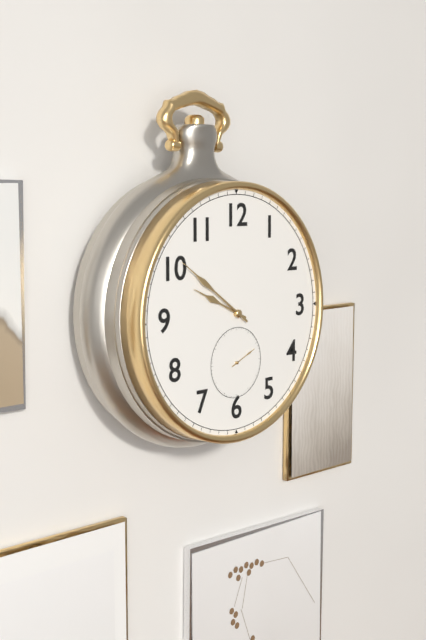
9 h 51 min
